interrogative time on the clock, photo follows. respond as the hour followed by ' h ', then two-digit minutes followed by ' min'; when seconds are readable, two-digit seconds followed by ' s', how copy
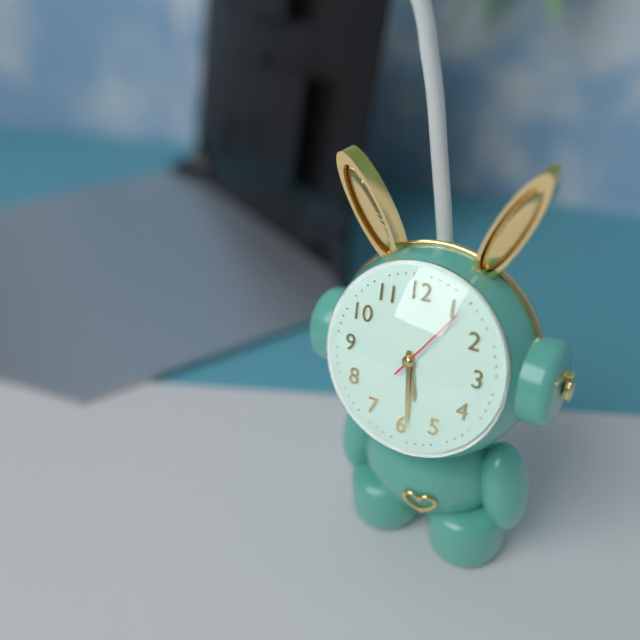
5 h 29 min 06 s
